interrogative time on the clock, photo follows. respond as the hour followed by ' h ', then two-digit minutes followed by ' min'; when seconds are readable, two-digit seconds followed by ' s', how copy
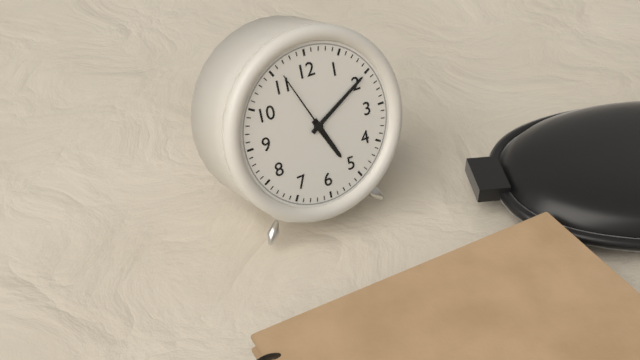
5 h 10 min 56 s
